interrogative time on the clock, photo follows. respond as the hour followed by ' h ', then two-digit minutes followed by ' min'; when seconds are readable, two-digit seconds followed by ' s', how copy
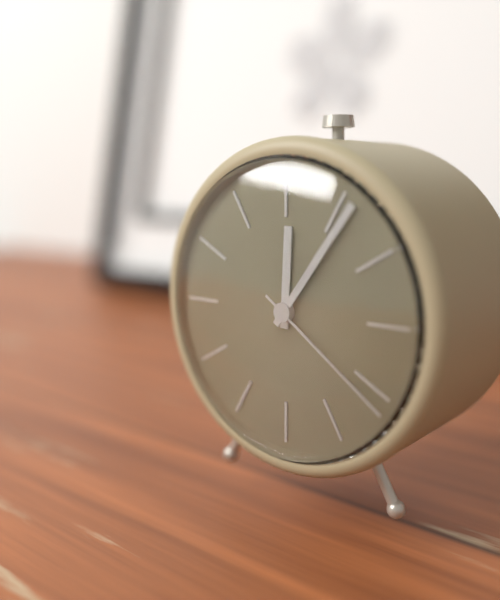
12 h 06 min 21 s
